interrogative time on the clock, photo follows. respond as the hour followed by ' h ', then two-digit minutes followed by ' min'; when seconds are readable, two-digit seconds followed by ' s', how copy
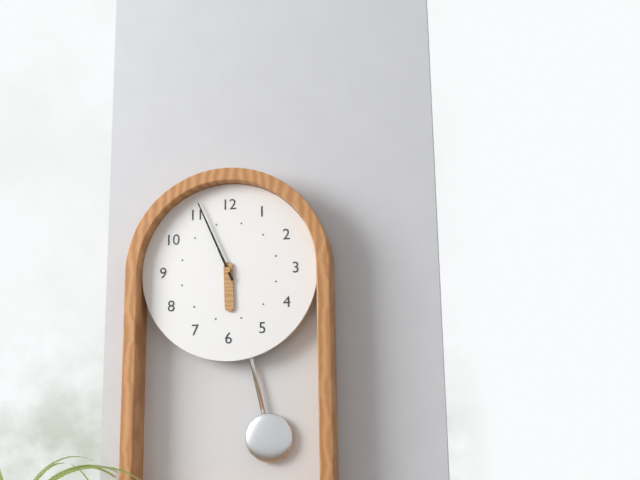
5 h 56 min
